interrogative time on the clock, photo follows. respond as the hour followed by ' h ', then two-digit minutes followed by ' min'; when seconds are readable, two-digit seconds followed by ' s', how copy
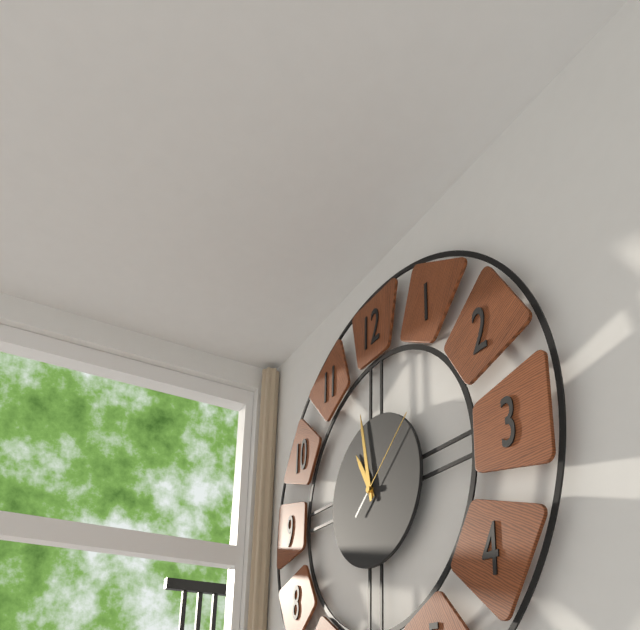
10 h 58 min 08 s
